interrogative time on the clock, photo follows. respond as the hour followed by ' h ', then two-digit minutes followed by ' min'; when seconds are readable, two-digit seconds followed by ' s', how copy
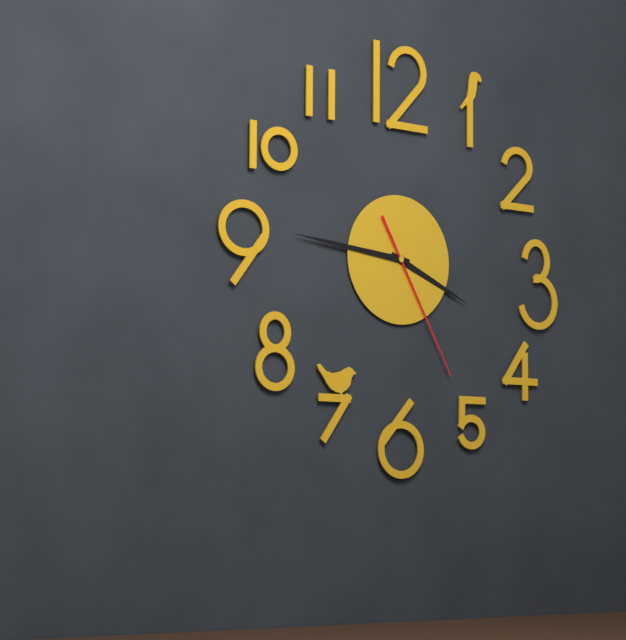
3 h 46 min 25 s
